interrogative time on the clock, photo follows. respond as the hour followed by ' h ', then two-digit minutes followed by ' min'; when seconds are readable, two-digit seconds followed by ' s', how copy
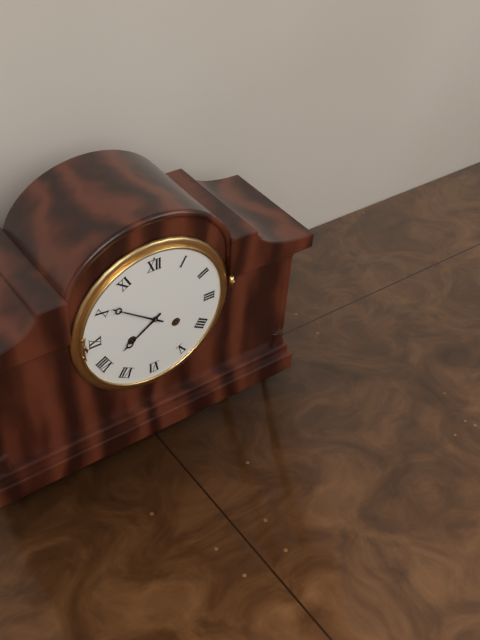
7 h 51 min
